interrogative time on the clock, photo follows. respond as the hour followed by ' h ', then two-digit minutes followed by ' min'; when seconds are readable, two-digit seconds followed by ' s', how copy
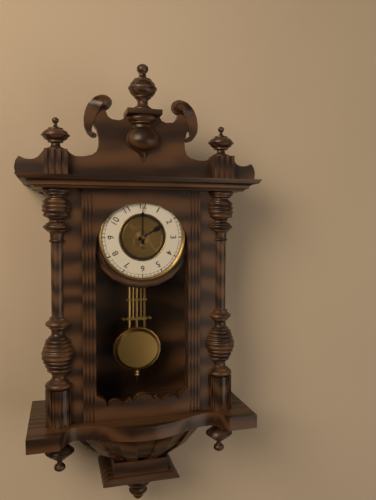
2 h 00 min
